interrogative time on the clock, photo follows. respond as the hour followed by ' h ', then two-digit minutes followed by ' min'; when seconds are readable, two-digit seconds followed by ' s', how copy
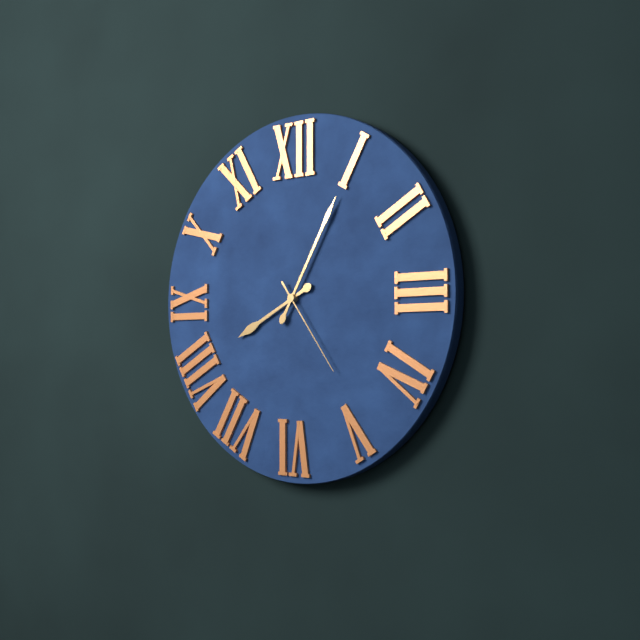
8 h 05 min 24 s
